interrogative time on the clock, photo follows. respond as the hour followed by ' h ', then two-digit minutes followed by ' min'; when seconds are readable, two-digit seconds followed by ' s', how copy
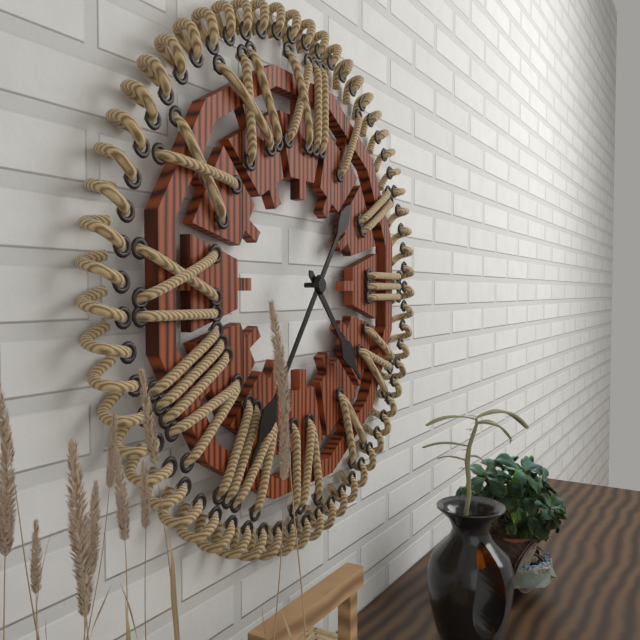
4 h 36 min
